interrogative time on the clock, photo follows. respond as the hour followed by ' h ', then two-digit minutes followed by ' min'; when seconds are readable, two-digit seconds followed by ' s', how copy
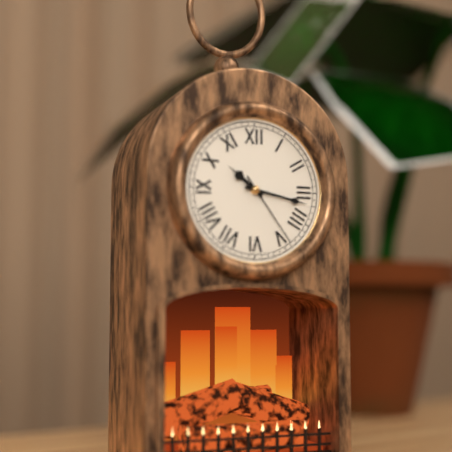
10 h 17 min 24 s
